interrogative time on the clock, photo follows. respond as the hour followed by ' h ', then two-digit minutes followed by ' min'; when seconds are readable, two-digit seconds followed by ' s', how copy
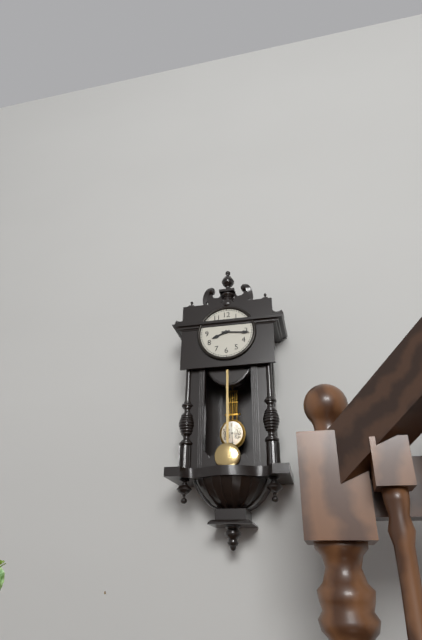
8 h 16 min
